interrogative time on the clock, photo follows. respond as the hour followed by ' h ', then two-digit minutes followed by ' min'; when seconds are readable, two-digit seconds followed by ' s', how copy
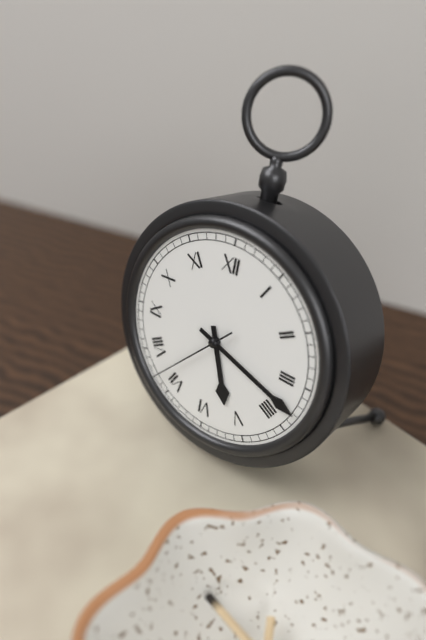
5 h 18 min 37 s
